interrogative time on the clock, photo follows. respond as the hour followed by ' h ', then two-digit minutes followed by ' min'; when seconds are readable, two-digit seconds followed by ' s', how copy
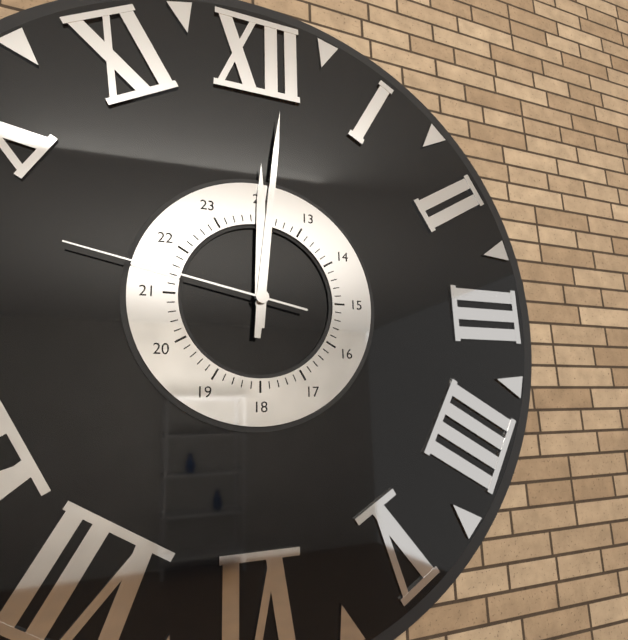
12 h 01 min 47 s
